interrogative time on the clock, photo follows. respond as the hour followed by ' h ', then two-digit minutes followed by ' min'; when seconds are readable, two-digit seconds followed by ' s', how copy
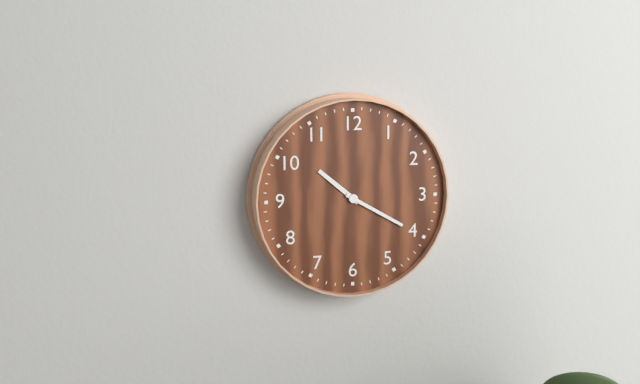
10 h 20 min
